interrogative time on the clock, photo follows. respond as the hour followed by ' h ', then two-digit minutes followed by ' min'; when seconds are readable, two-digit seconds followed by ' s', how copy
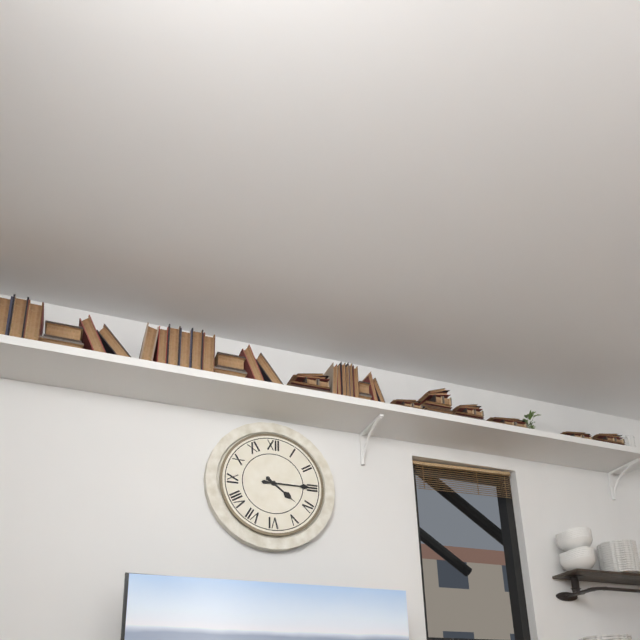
4 h 15 min
